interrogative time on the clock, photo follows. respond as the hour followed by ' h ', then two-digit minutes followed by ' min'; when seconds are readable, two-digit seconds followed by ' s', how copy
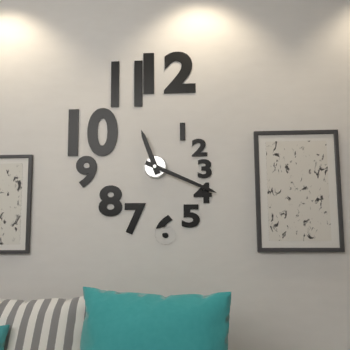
11 h 19 min
